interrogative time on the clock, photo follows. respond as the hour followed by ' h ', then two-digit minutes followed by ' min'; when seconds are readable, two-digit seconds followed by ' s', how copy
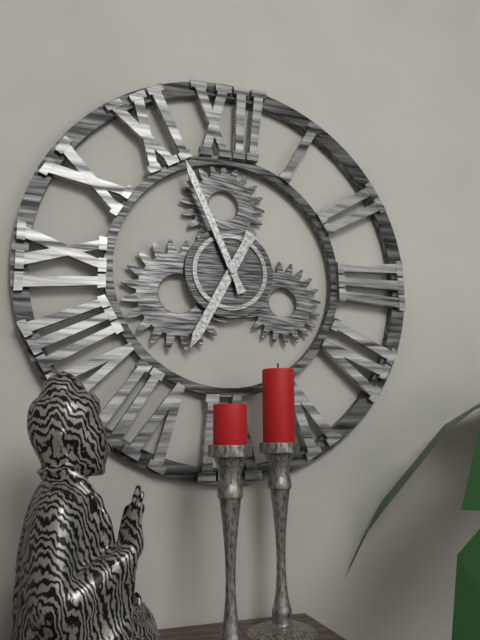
6 h 56 min
